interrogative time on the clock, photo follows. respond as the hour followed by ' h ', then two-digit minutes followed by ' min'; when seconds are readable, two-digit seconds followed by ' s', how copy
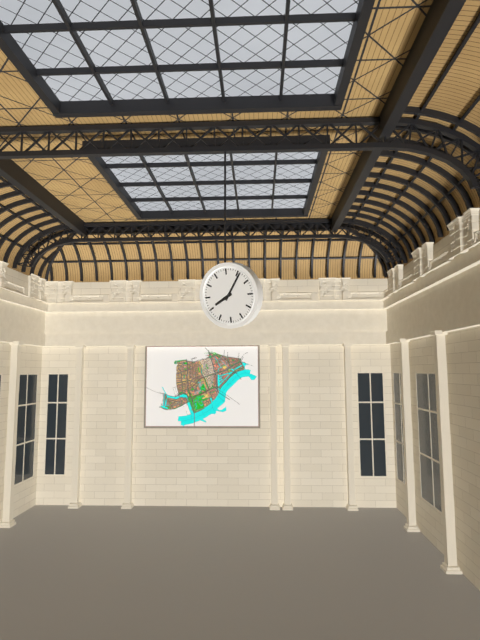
8 h 06 min
